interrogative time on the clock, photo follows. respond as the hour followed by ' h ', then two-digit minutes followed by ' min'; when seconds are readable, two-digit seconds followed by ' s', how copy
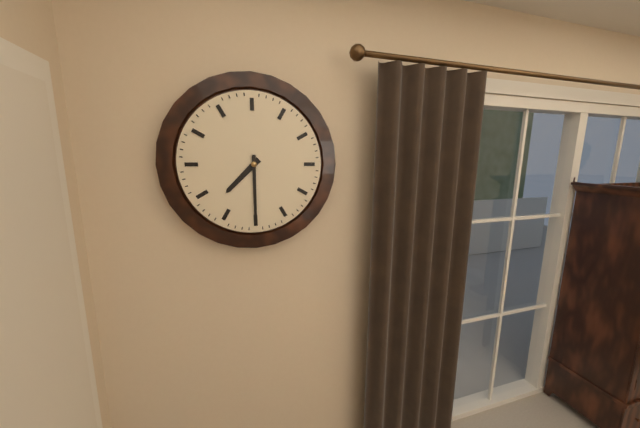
7 h 30 min
